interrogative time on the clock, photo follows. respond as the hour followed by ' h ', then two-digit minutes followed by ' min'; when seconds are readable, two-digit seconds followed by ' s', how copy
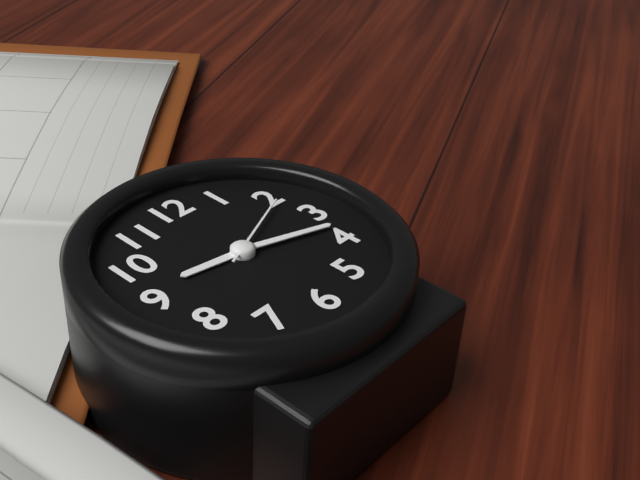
9 h 18 min 11 s
